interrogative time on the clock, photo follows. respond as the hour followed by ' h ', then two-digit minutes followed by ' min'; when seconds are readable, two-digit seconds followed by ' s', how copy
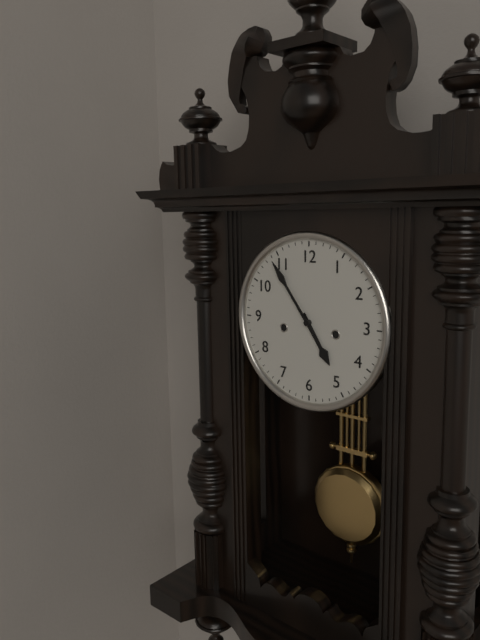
4 h 54 min
